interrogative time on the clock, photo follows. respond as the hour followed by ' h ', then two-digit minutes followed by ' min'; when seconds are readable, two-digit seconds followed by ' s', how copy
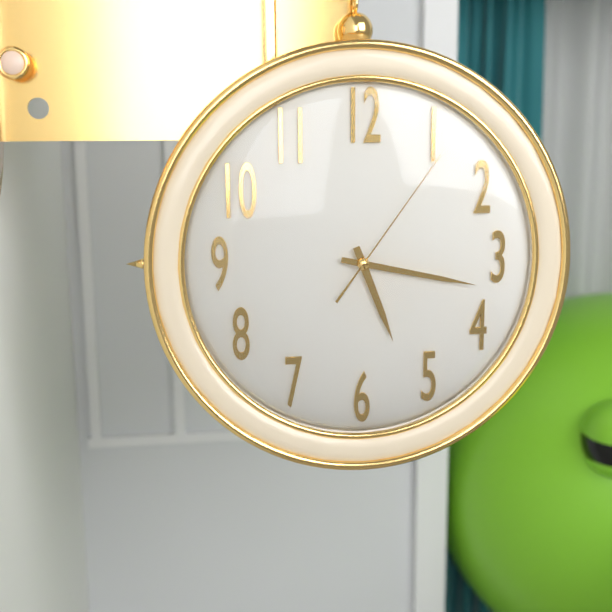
5 h 17 min 06 s
